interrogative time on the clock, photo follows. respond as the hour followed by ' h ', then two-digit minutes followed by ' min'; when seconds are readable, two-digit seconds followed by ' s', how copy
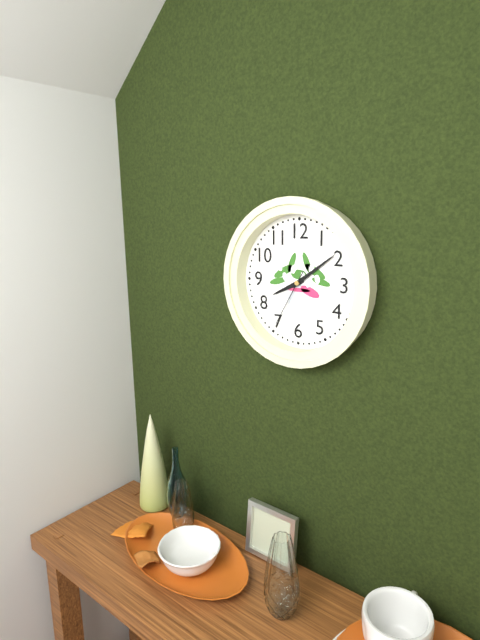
8 h 09 min 35 s
